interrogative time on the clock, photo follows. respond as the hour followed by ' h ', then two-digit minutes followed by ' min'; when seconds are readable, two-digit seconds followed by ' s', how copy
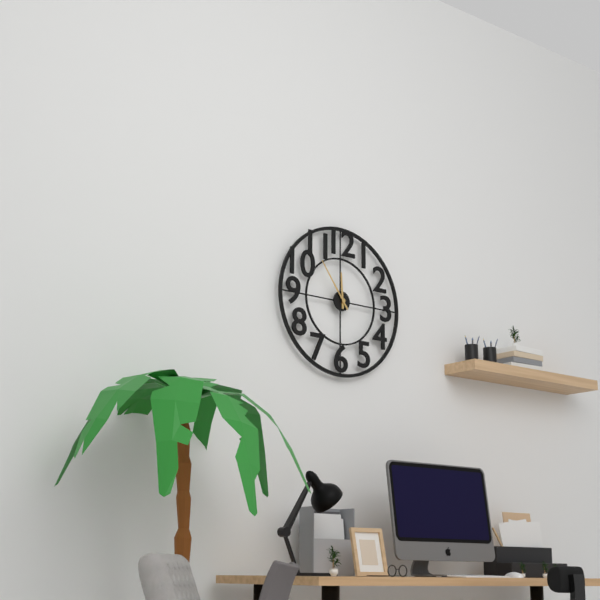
11 h 54 min
